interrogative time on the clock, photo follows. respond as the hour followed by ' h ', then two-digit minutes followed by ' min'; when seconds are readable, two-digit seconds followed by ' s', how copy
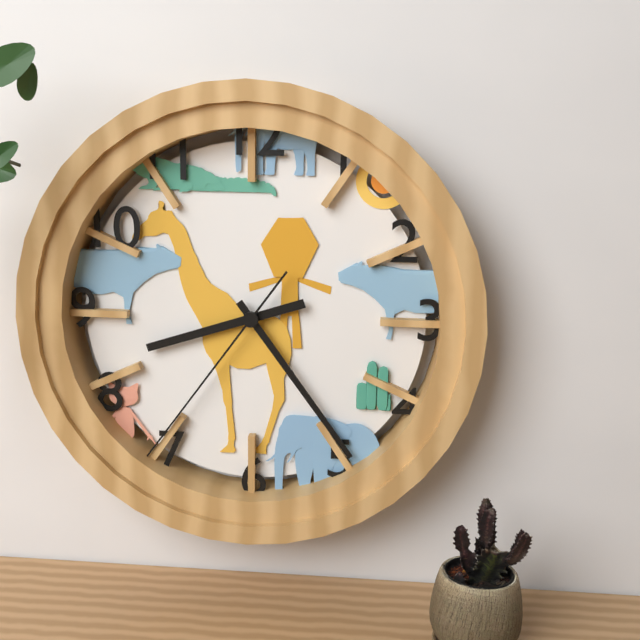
8 h 24 min 36 s
